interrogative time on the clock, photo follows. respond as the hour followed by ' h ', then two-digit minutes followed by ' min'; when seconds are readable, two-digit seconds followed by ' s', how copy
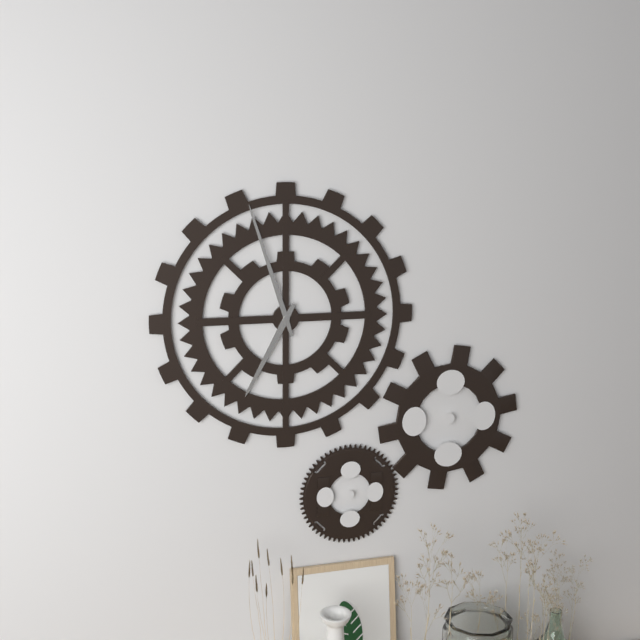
6 h 57 min
